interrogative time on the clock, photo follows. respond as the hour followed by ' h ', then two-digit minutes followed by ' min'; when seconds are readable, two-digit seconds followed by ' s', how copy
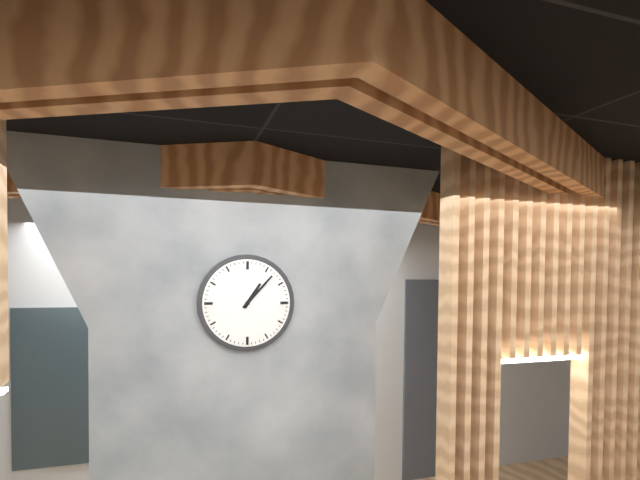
1 h 07 min
